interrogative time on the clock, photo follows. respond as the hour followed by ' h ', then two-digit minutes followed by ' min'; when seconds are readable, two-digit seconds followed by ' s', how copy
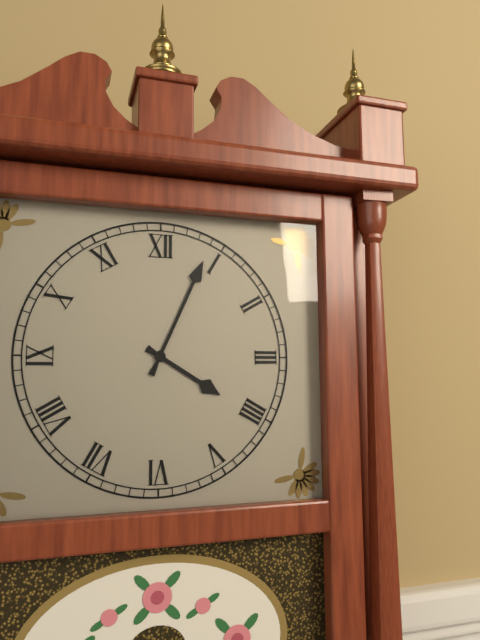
4 h 04 min
